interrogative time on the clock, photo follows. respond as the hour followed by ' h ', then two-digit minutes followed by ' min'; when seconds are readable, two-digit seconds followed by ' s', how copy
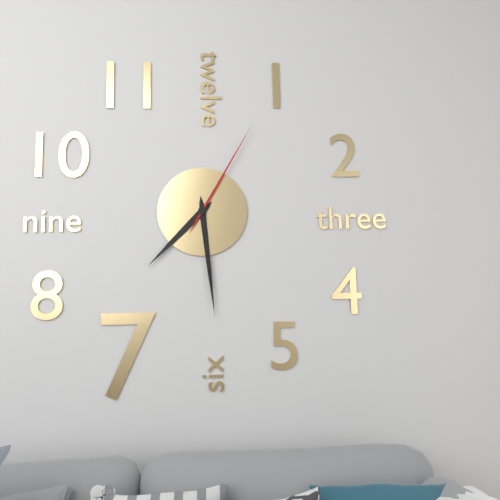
7 h 29 min 05 s
